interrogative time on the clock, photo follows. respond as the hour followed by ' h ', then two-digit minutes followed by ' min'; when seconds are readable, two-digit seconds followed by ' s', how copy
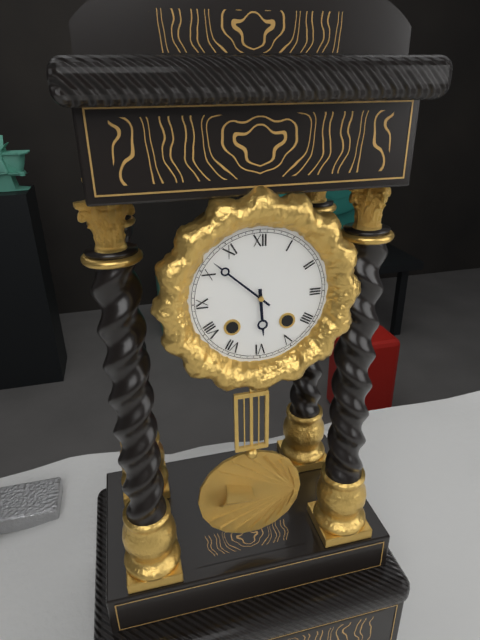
5 h 52 min
